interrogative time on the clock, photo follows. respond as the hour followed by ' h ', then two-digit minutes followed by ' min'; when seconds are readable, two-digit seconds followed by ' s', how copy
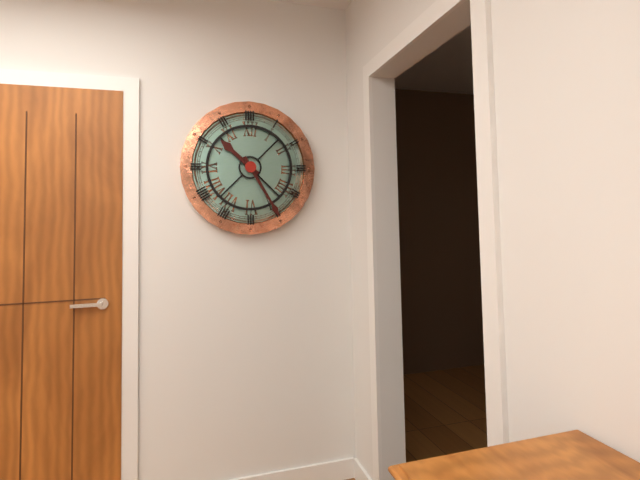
10 h 25 min
